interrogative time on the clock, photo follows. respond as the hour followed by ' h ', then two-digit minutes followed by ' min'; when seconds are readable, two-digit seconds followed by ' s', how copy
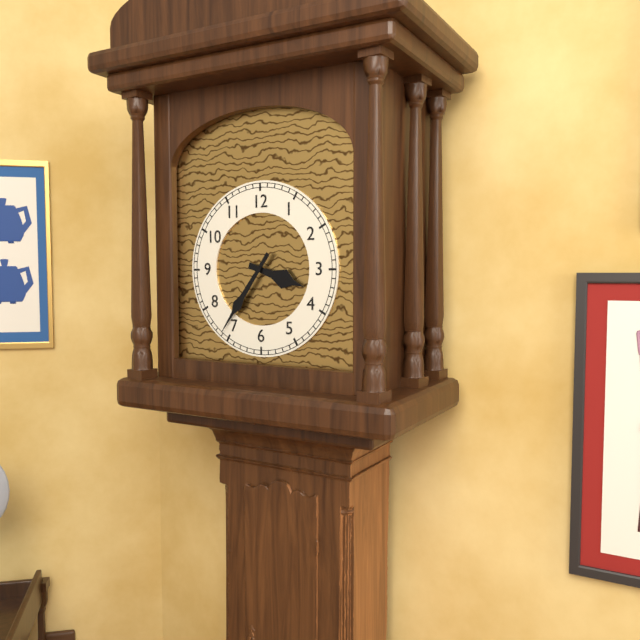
3 h 36 min
